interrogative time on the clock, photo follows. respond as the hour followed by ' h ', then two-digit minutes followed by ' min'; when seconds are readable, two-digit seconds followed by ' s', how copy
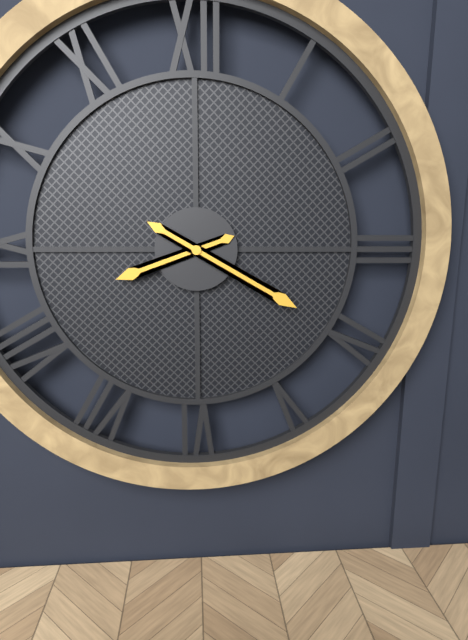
8 h 20 min
